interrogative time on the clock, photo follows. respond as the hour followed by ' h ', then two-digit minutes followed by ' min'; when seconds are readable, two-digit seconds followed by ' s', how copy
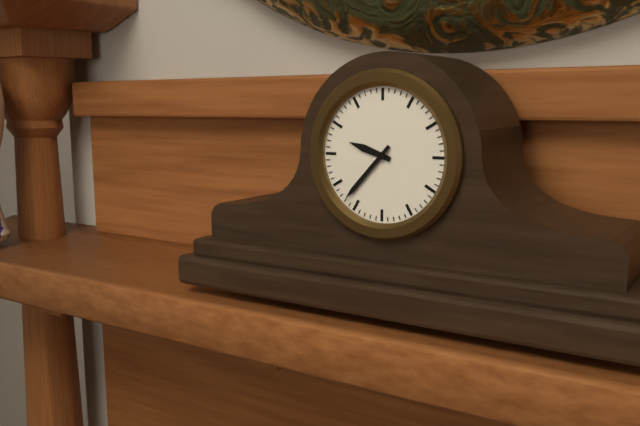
9 h 37 min
